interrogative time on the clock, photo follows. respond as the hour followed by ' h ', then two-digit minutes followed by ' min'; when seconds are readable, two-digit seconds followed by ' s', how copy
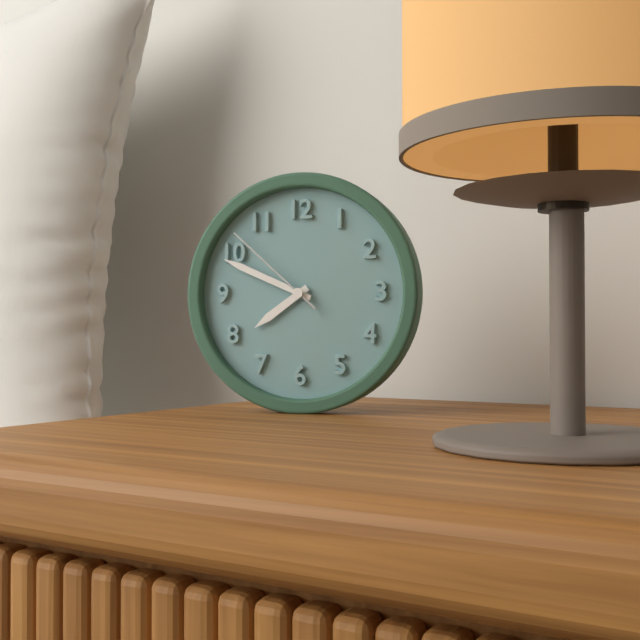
7 h 49 min 52 s
